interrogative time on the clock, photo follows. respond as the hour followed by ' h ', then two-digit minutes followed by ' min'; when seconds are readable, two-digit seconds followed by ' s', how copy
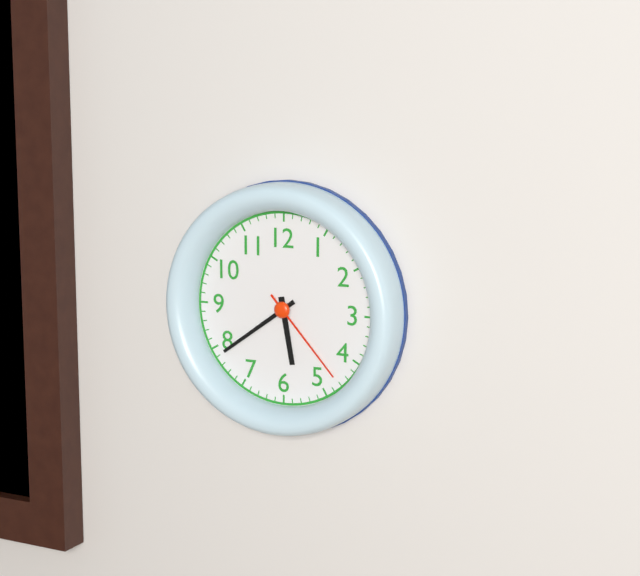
5 h 39 min 23 s
